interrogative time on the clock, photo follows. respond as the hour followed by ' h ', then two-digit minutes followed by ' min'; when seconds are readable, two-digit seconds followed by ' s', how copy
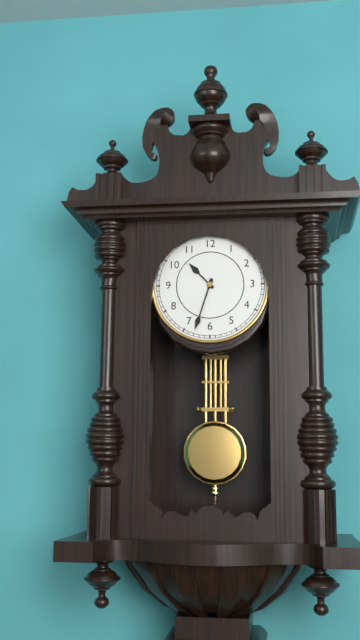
10 h 33 min
